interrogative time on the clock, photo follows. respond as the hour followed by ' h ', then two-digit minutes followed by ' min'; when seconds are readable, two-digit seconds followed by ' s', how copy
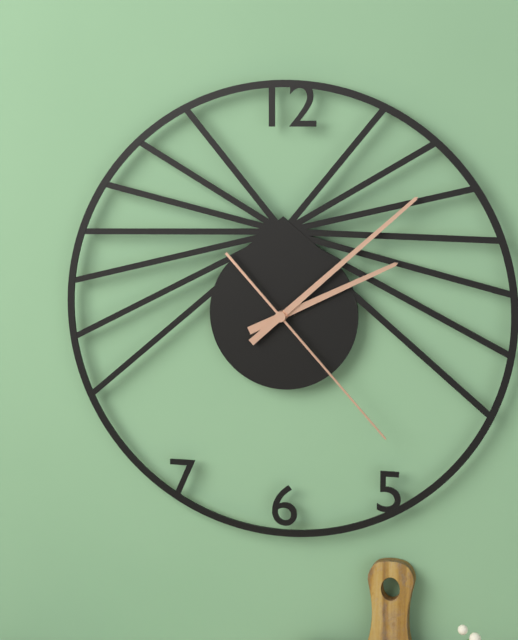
2 h 08 min 23 s
